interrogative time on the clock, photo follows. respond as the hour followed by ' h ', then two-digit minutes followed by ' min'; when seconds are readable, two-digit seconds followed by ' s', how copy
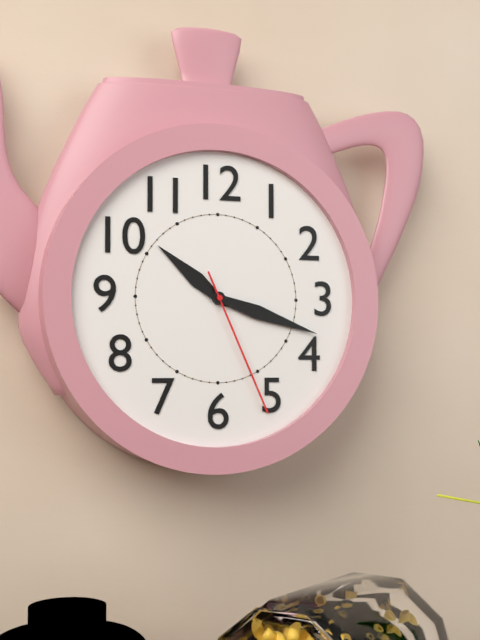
10 h 18 min 26 s
